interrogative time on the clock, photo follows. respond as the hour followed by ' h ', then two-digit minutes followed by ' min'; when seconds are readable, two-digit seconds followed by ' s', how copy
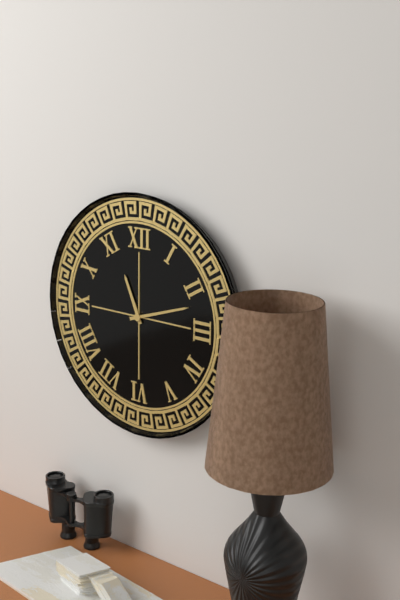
11 h 12 min
